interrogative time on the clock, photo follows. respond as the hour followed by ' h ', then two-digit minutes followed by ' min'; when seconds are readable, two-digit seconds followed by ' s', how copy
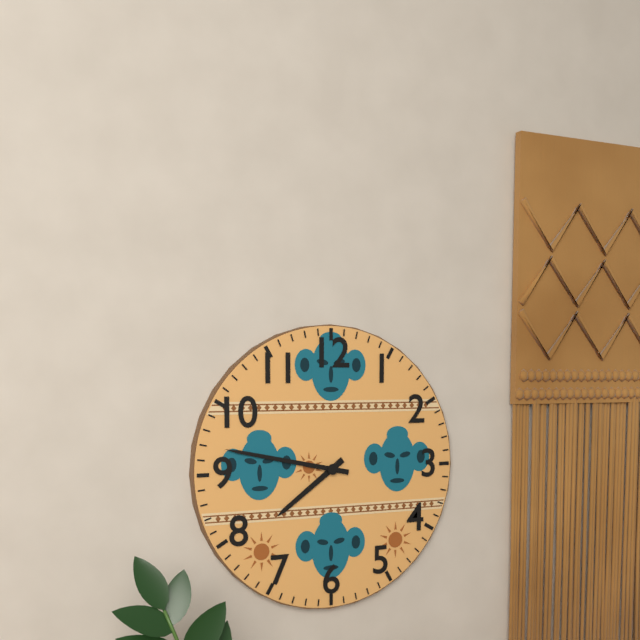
7 h 47 min
